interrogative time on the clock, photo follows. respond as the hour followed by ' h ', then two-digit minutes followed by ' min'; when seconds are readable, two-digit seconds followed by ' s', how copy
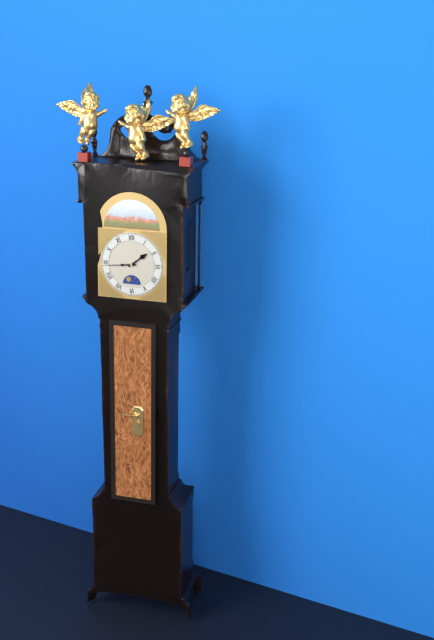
1 h 44 min
